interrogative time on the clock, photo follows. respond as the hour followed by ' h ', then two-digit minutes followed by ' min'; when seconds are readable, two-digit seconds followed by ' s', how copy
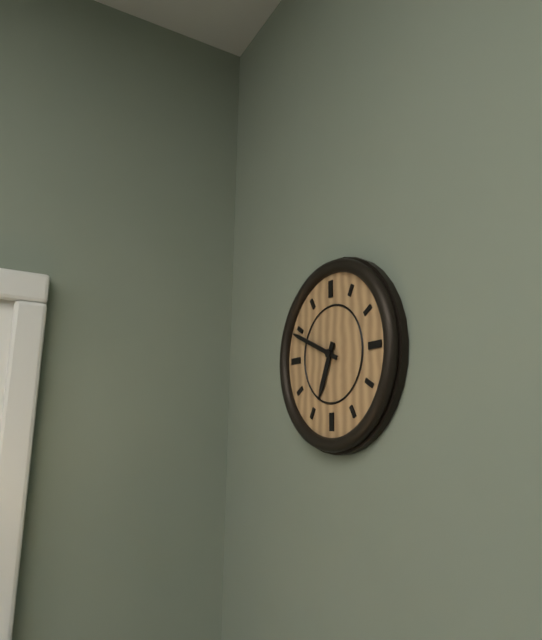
6 h 49 min
